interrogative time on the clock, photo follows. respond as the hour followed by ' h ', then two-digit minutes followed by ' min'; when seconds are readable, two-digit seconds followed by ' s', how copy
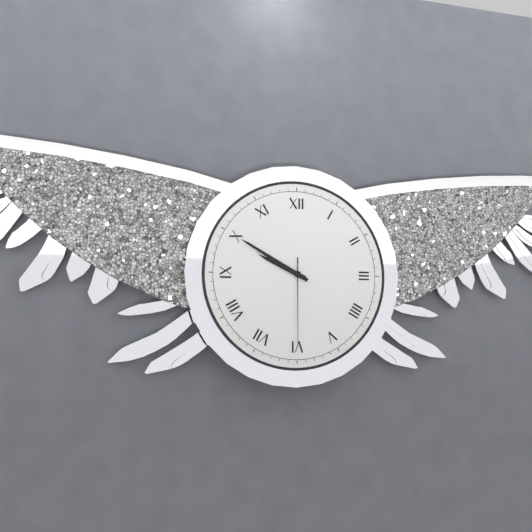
9 h 50 min 30 s
